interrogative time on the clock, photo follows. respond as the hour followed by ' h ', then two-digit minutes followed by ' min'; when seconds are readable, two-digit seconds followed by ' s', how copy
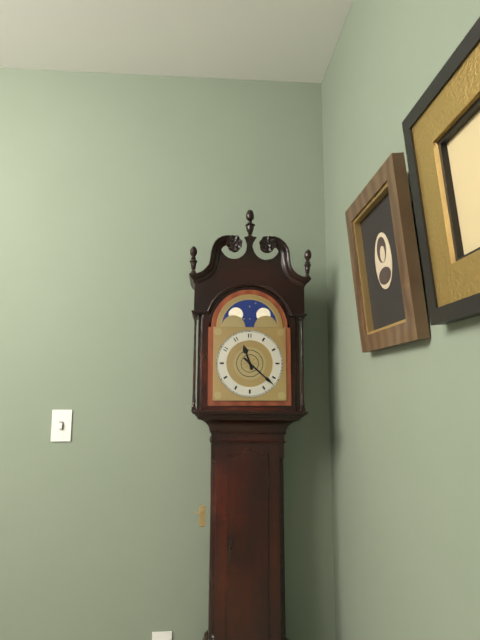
11 h 22 min
